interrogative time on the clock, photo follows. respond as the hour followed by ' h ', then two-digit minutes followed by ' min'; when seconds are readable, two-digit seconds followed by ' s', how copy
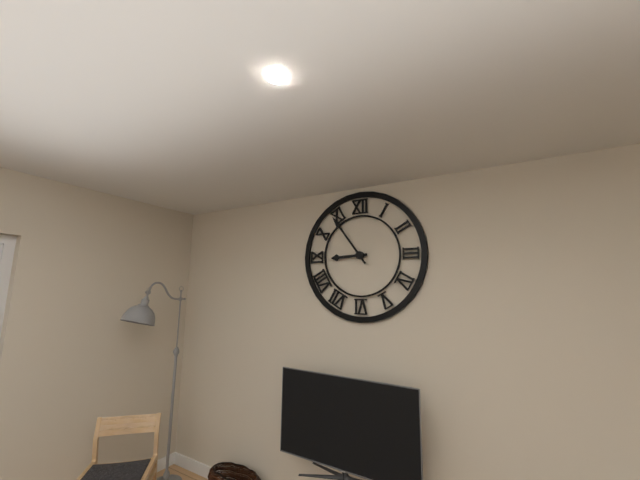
8 h 54 min
